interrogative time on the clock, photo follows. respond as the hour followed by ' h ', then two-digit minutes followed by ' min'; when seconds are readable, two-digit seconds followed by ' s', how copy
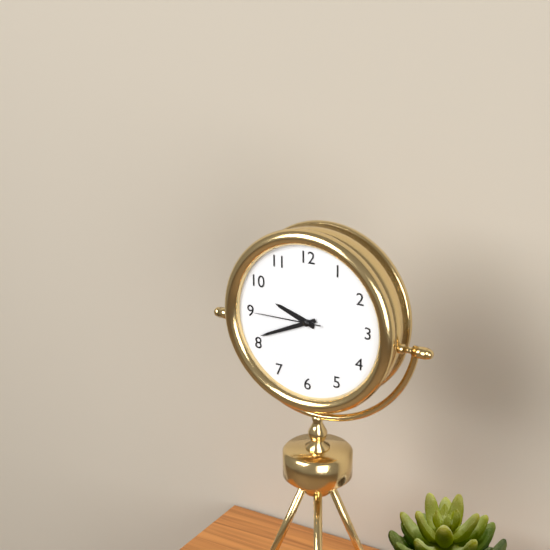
9 h 41 min 45 s
